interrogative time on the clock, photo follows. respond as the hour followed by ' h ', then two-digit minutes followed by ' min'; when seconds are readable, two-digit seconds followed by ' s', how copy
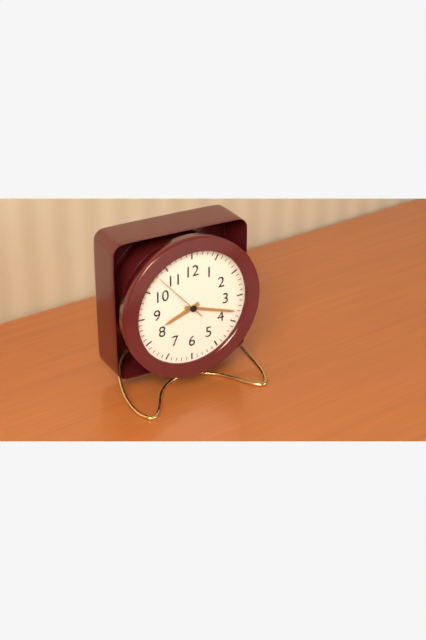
8 h 18 min 53 s
